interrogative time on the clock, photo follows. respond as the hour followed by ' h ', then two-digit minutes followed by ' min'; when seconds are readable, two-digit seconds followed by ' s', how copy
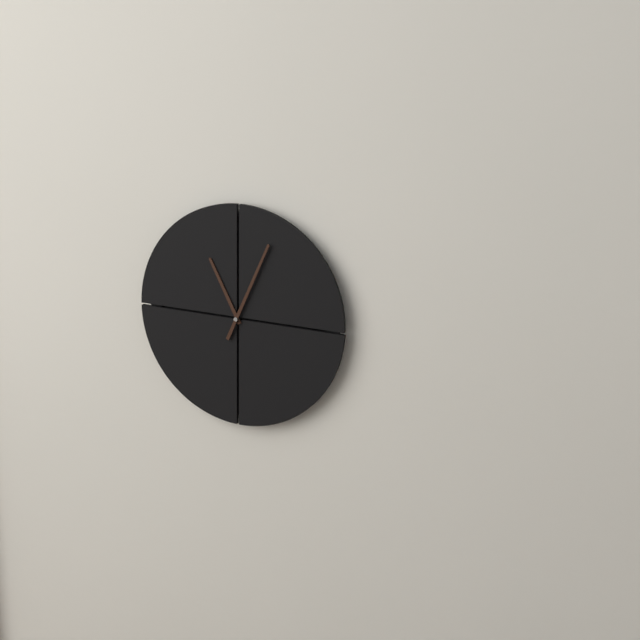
11 h 04 min
